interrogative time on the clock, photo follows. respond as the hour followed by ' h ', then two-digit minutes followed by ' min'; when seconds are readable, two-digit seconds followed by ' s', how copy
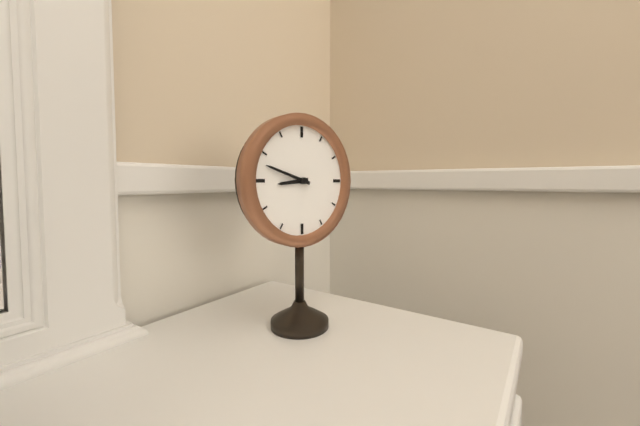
8 h 48 min
